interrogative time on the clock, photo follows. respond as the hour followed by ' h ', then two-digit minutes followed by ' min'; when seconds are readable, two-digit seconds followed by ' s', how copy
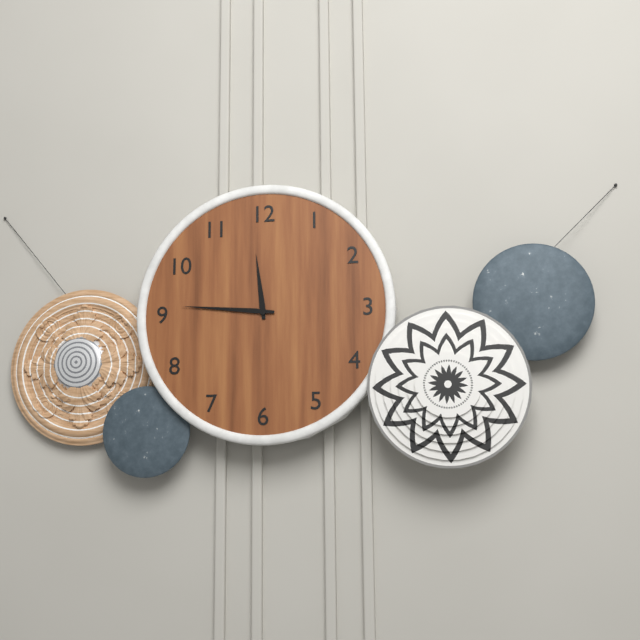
11 h 46 min
